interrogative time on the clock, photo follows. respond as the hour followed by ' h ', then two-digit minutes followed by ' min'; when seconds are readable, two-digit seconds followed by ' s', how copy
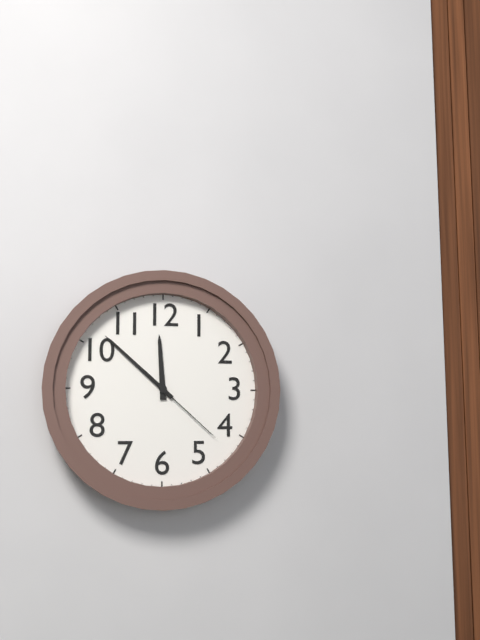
11 h 52 min 22 s
